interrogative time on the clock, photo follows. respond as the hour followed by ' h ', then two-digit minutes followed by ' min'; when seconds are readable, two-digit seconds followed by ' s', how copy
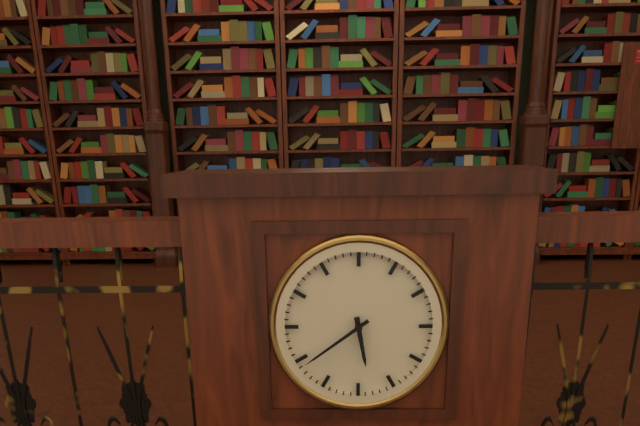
5 h 39 min
